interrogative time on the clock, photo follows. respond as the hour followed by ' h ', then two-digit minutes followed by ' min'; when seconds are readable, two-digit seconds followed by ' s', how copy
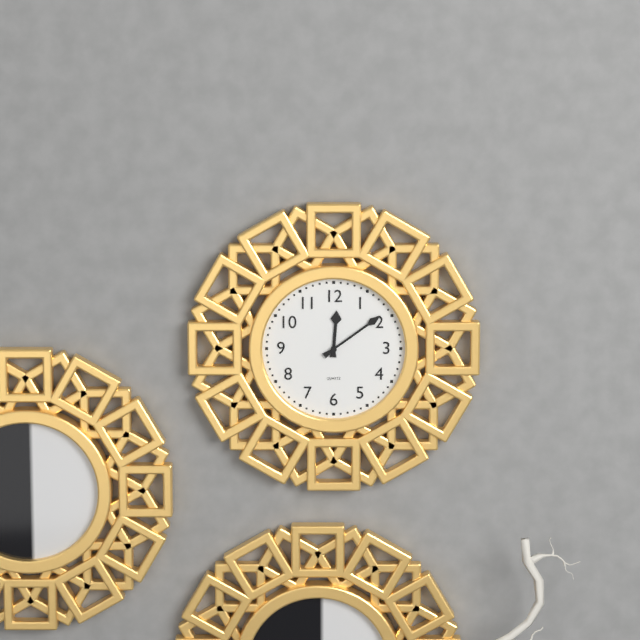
12 h 09 min
